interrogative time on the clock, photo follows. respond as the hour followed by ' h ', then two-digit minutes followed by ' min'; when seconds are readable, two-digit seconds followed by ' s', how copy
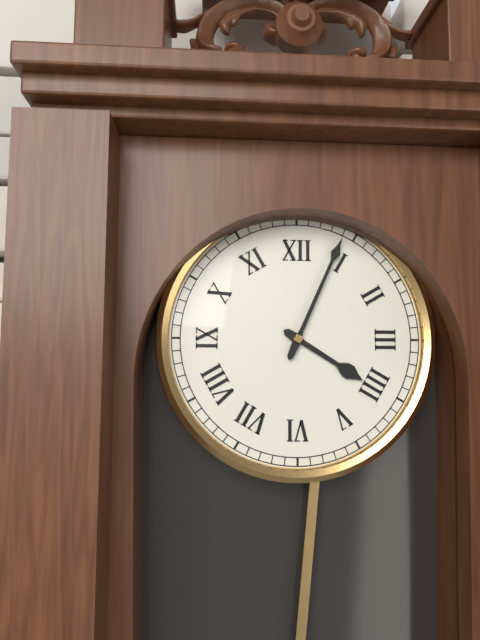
4 h 04 min
